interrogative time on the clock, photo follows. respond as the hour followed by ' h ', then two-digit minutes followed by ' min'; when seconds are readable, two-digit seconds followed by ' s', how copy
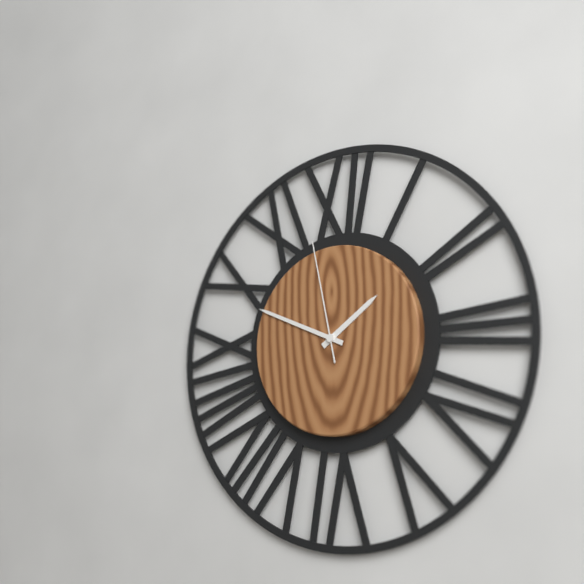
1 h 49 min 58 s
